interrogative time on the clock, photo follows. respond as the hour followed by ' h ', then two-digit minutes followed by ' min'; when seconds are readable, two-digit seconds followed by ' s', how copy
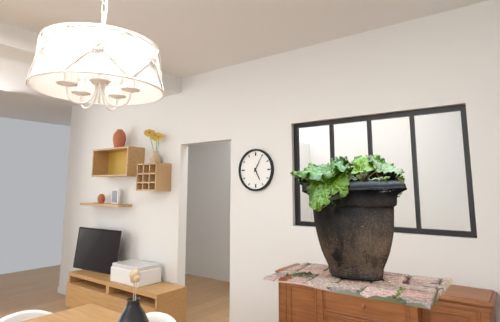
5 h 05 min
